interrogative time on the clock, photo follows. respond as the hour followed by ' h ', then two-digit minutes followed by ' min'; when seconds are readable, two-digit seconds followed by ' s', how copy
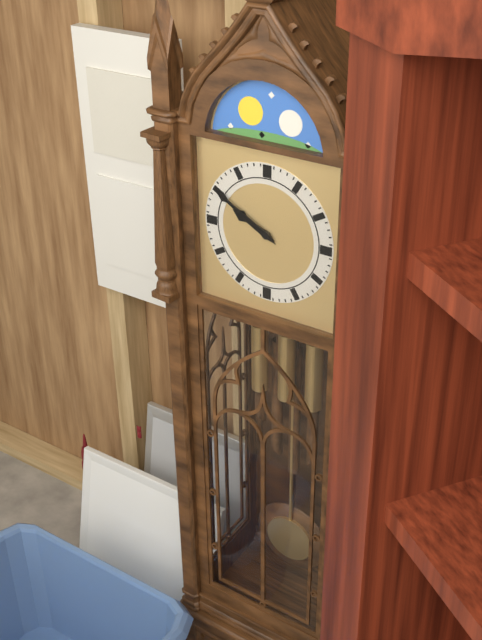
9 h 50 min
